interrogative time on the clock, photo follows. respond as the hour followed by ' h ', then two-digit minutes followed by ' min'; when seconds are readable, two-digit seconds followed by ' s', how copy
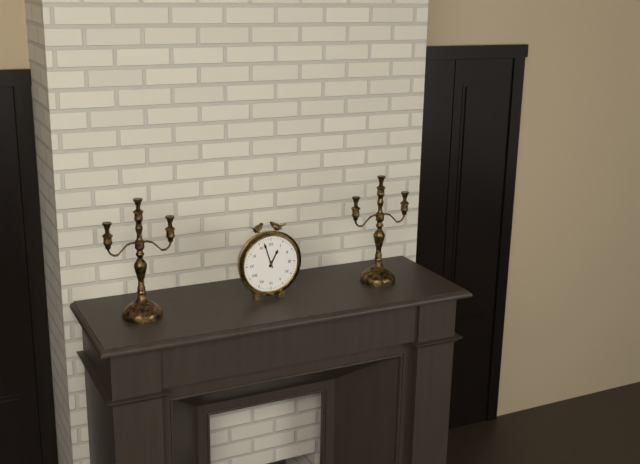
12 h 57 min
